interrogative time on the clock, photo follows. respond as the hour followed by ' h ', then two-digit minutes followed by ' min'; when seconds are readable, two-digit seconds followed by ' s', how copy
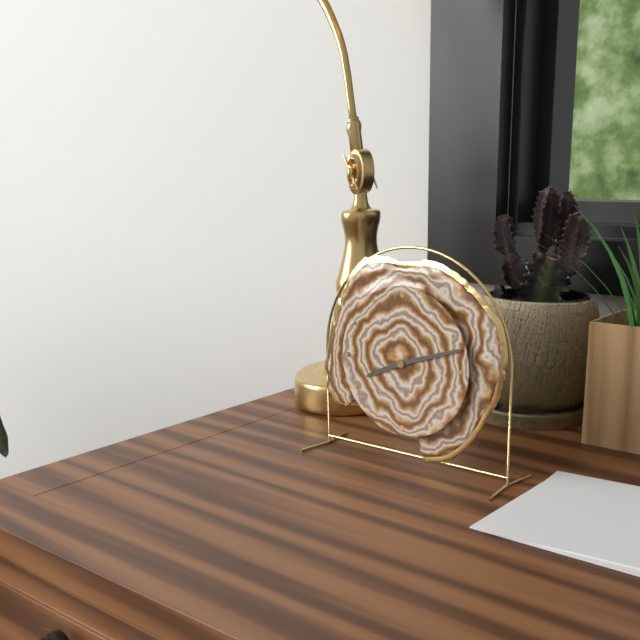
8 h 12 min
